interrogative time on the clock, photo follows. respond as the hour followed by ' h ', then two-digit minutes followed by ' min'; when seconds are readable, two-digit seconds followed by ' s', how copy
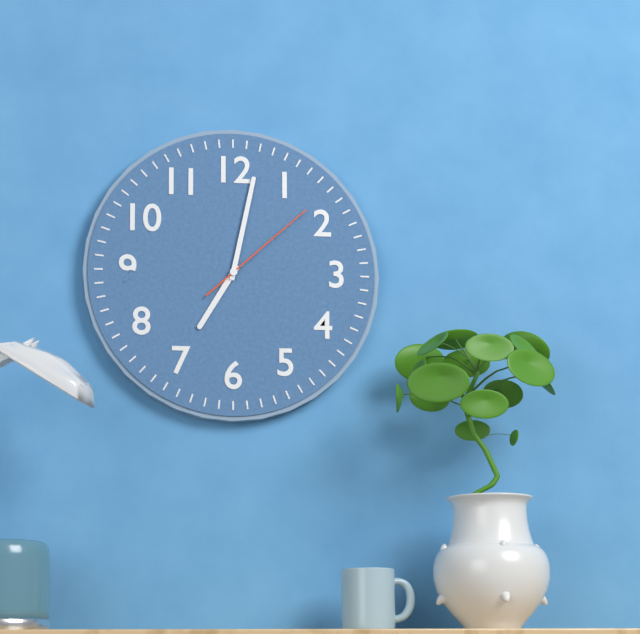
7 h 02 min 08 s
